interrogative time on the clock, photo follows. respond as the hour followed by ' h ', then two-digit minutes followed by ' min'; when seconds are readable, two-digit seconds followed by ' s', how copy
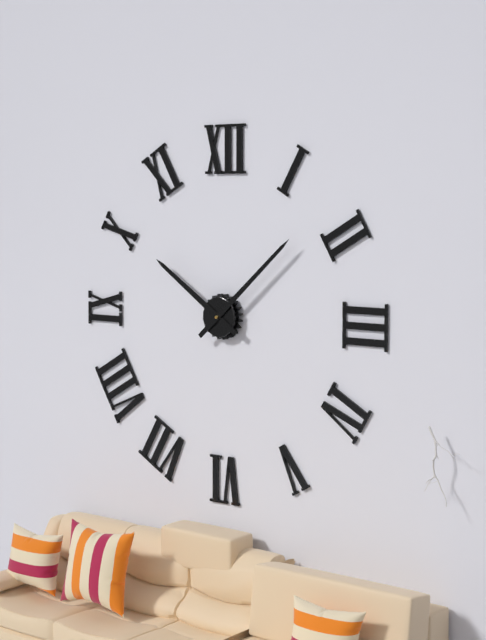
10 h 08 min
